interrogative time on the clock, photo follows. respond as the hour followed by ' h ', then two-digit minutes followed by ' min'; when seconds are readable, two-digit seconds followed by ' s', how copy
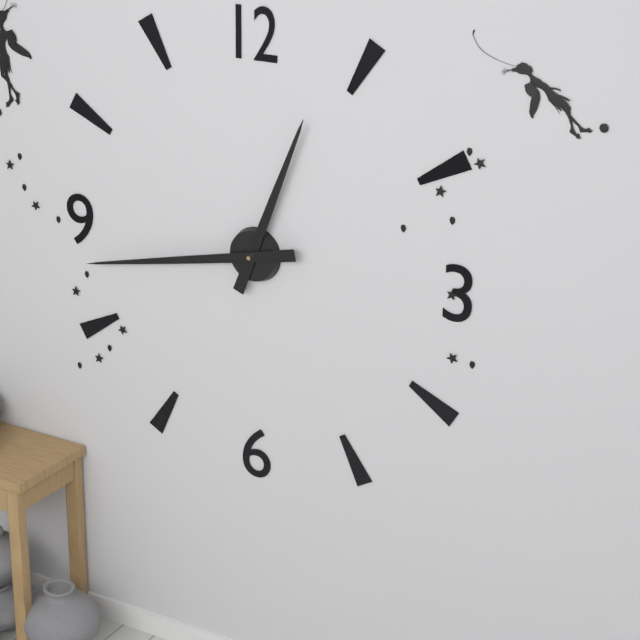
12 h 43 min
